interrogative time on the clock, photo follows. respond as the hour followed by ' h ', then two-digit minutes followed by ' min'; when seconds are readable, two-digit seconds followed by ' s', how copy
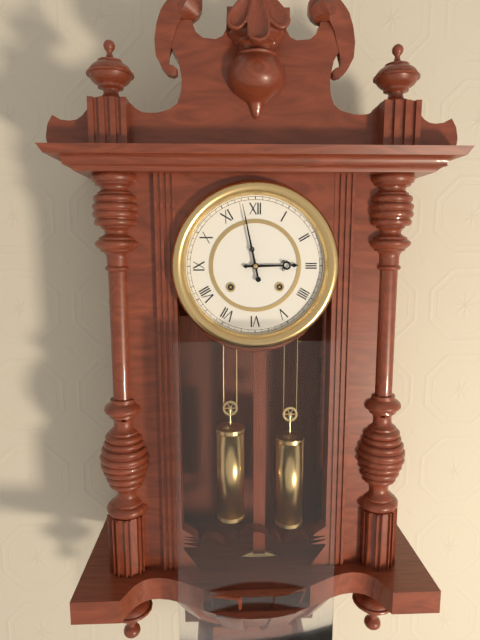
2 h 58 min
